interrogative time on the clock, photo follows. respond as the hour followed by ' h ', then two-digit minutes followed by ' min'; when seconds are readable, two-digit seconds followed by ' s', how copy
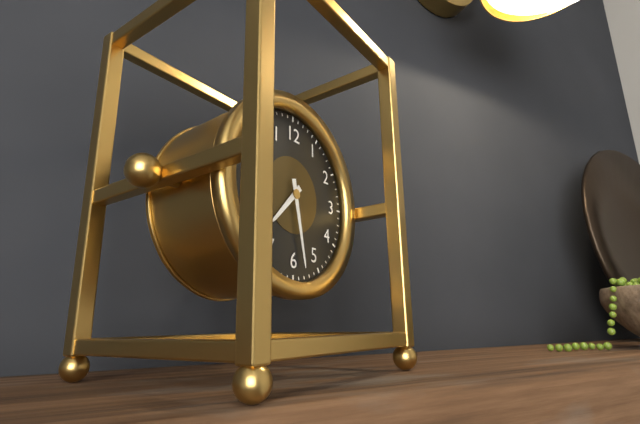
7 h 28 min
